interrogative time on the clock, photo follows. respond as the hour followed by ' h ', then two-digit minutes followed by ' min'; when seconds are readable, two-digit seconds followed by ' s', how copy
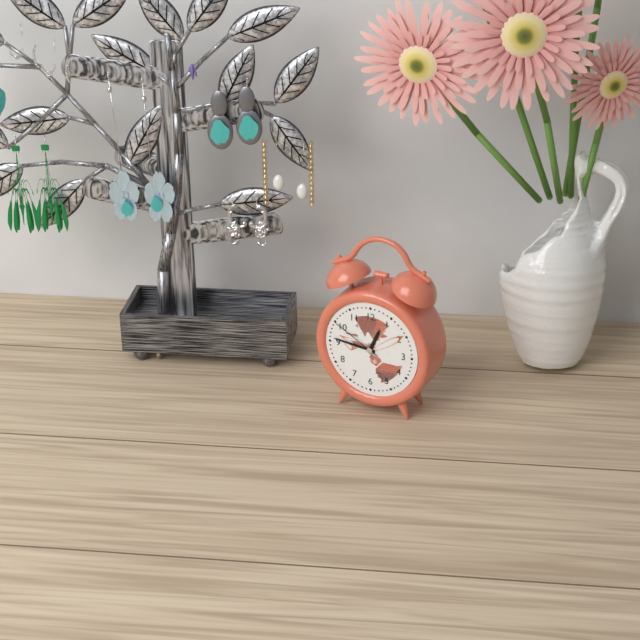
12 h 46 min 50 s
